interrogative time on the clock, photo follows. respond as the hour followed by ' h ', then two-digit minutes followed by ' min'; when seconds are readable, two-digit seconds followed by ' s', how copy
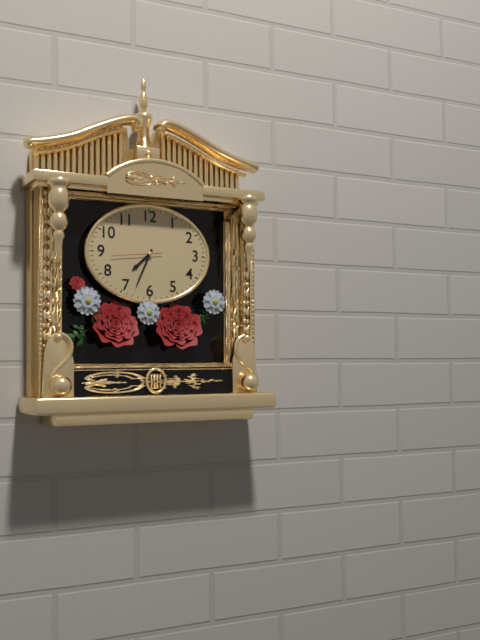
7 h 34 min
